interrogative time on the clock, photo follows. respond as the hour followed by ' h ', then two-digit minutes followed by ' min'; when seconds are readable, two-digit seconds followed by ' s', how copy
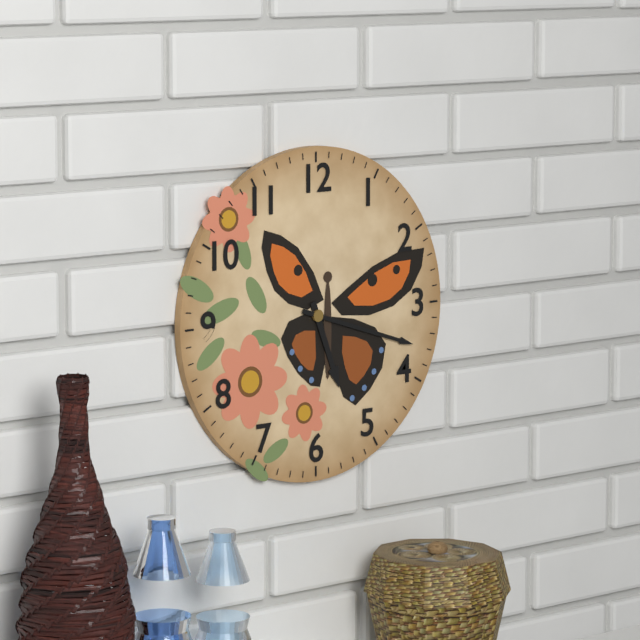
5 h 18 min
